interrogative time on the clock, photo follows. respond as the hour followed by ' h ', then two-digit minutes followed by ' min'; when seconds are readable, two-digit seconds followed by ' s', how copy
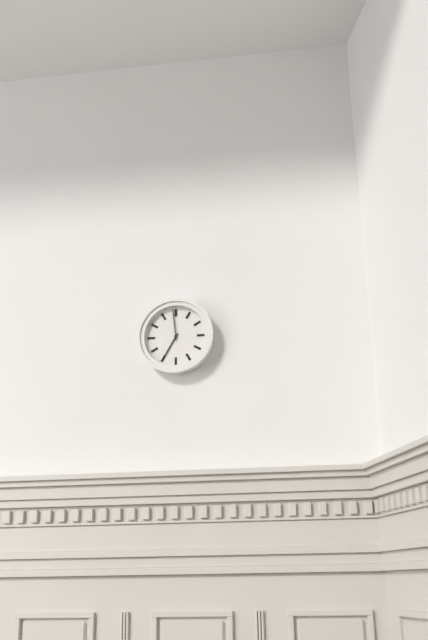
6 h 59 min
